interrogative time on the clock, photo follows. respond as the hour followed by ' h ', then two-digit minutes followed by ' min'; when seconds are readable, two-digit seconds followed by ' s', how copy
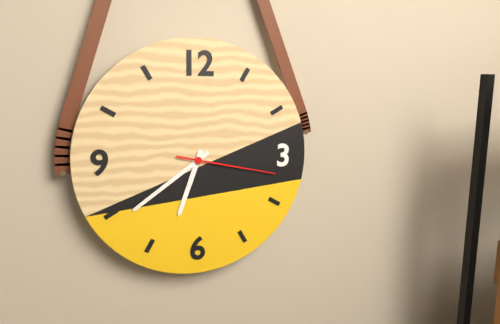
6 h 39 min 17 s
